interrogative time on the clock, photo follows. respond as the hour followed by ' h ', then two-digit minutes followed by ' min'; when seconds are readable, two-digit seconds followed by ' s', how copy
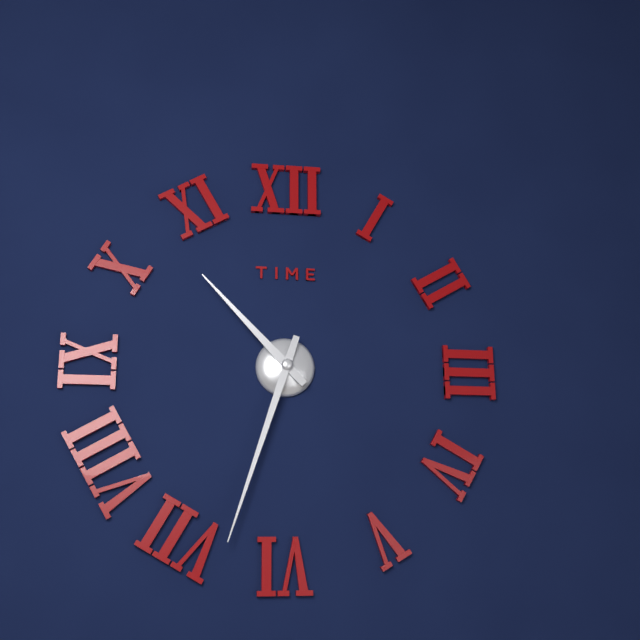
10 h 33 min
